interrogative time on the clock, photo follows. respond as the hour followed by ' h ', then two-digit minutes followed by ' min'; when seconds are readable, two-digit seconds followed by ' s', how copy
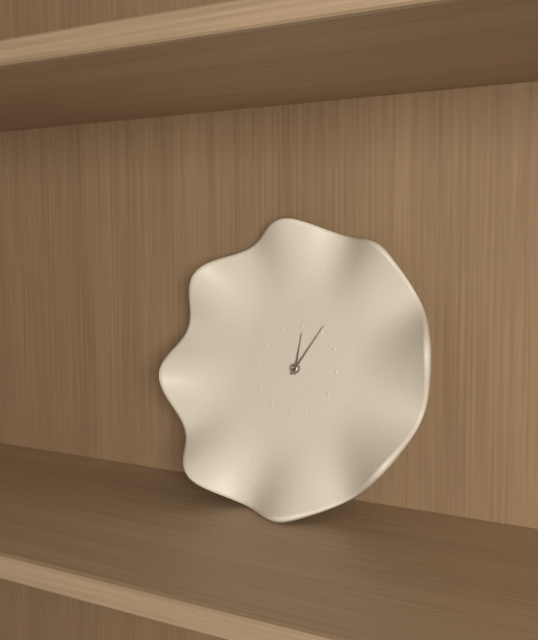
12 h 05 min
